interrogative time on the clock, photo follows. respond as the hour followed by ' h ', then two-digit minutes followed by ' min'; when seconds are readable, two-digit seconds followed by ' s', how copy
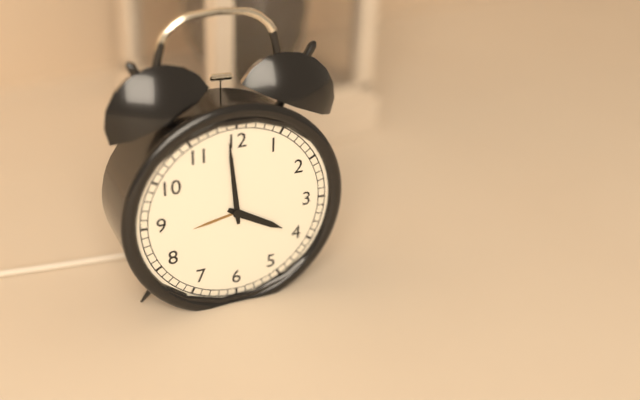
3 h 59 min
